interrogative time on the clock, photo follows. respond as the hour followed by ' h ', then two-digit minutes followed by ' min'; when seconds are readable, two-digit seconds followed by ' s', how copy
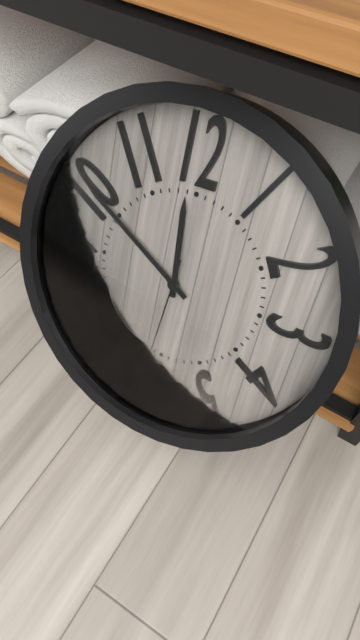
11 h 50 min 31 s
